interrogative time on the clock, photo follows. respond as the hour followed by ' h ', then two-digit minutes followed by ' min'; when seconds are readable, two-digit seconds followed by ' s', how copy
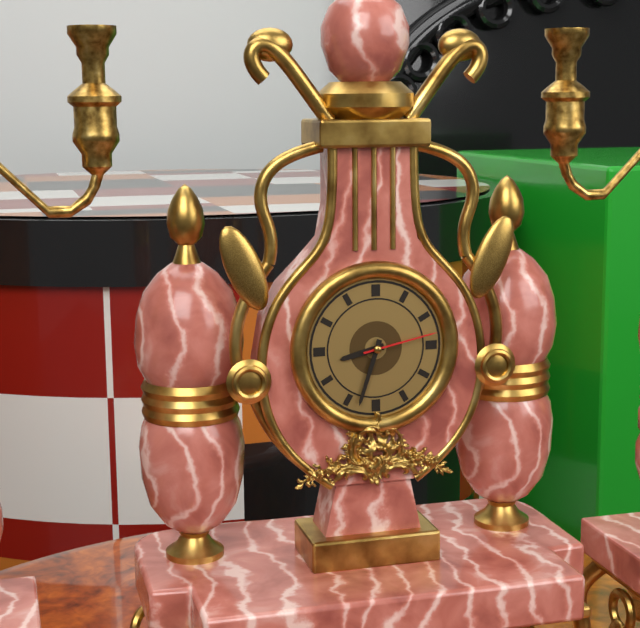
8 h 33 min 13 s
